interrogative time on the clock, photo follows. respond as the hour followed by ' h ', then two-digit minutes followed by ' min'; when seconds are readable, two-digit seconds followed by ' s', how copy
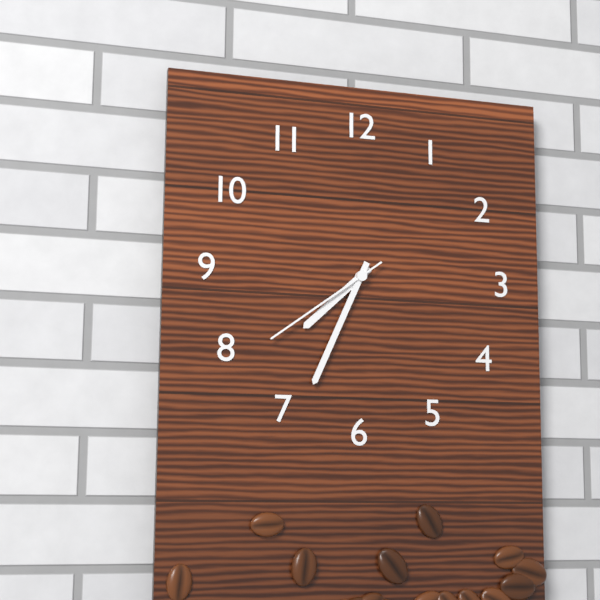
7 h 34 min 39 s
